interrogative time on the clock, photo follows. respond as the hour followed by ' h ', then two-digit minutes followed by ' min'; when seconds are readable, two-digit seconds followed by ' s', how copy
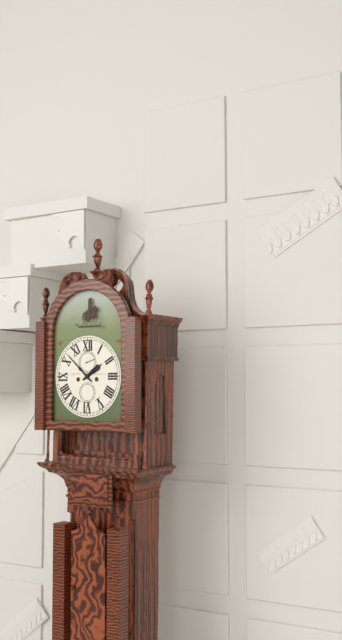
1 h 52 min
